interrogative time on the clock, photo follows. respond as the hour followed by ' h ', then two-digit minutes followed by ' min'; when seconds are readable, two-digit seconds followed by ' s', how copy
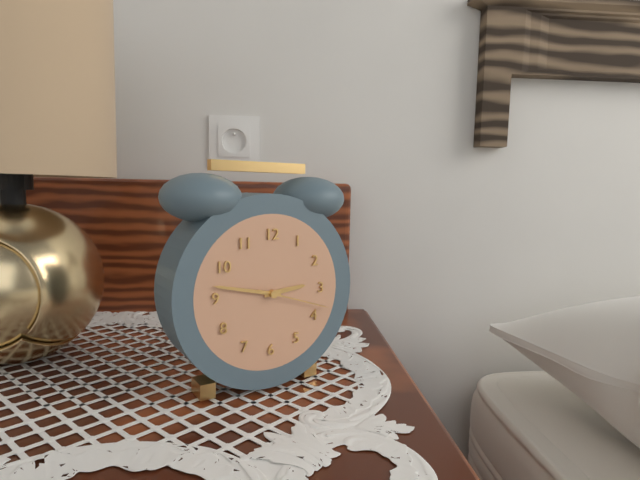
2 h 47 min 18 s
